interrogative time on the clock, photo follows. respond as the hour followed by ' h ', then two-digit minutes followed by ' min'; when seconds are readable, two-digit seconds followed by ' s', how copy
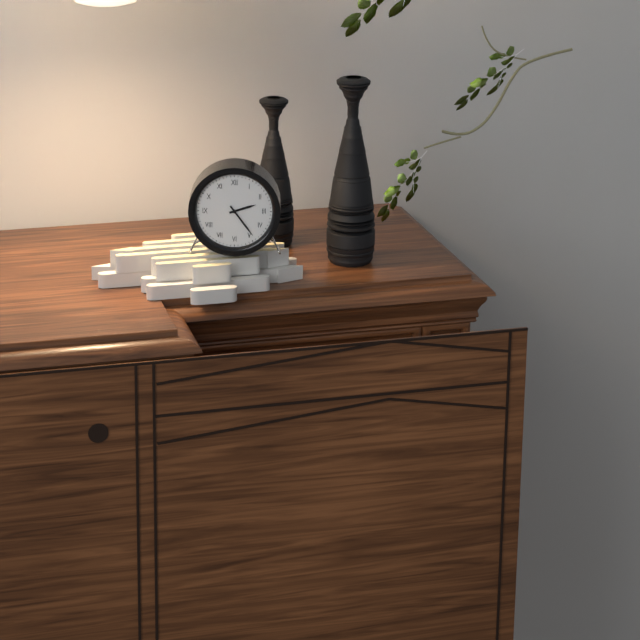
2 h 24 min
